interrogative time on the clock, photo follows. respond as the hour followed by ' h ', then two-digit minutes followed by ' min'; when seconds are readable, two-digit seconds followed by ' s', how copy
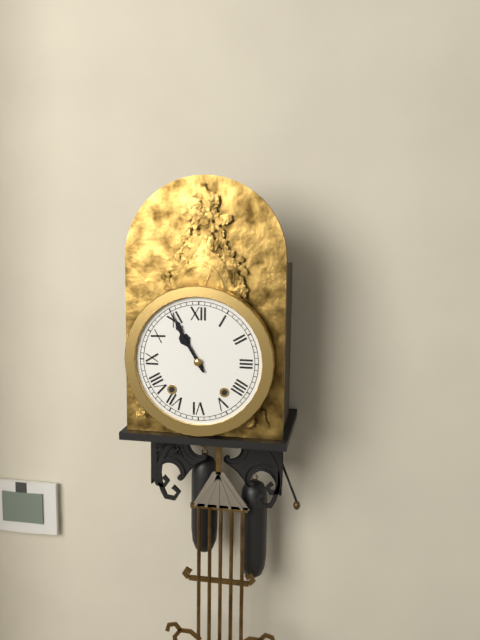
10 h 55 min
